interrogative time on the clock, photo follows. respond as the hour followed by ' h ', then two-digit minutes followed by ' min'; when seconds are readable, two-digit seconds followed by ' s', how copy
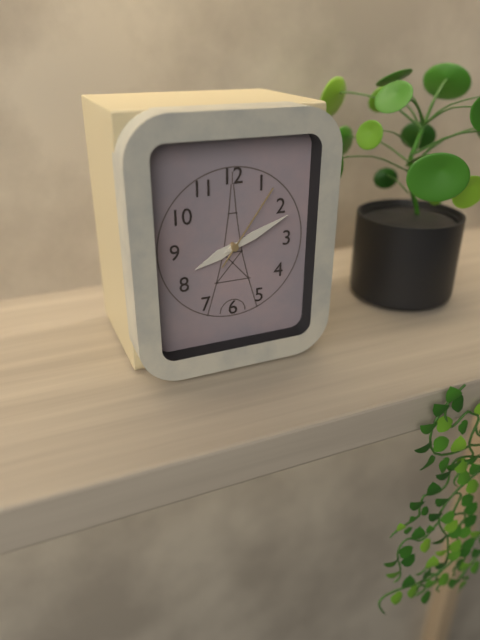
8 h 11 min 06 s
